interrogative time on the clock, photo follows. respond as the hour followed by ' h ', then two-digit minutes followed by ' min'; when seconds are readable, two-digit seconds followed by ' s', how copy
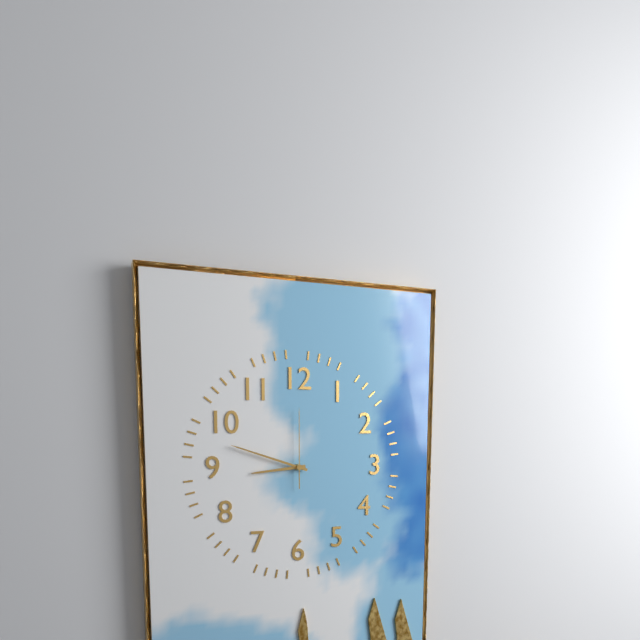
8 h 48 min 00 s
